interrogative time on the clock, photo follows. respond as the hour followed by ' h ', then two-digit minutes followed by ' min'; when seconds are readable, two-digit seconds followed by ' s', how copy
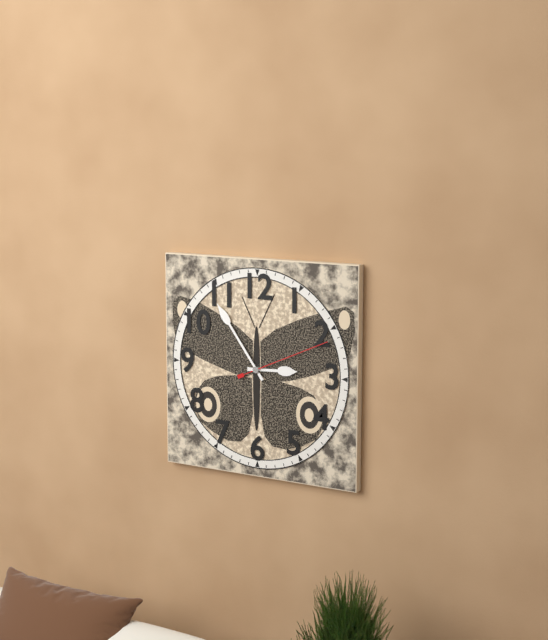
2 h 54 min 11 s
